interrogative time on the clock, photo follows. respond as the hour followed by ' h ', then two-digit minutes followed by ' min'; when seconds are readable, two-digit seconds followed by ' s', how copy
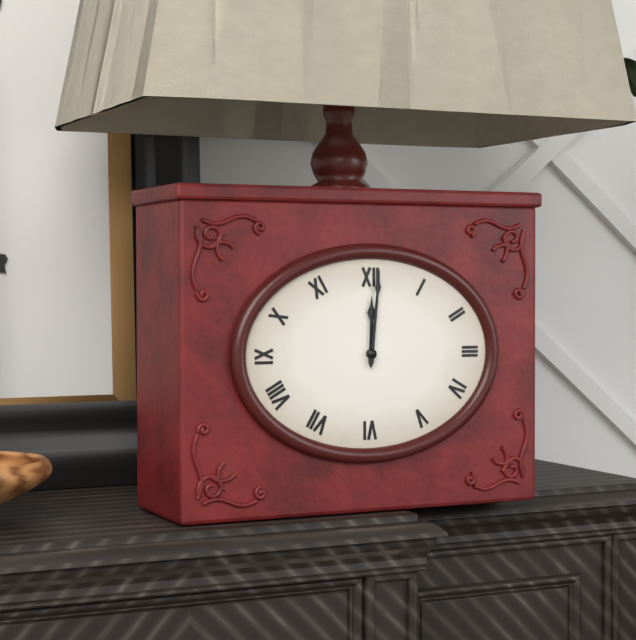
12 h 01 min
